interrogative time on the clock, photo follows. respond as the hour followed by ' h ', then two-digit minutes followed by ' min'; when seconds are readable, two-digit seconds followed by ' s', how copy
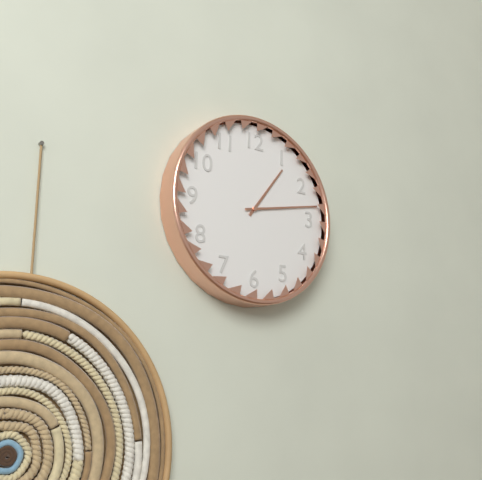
1 h 13 min
